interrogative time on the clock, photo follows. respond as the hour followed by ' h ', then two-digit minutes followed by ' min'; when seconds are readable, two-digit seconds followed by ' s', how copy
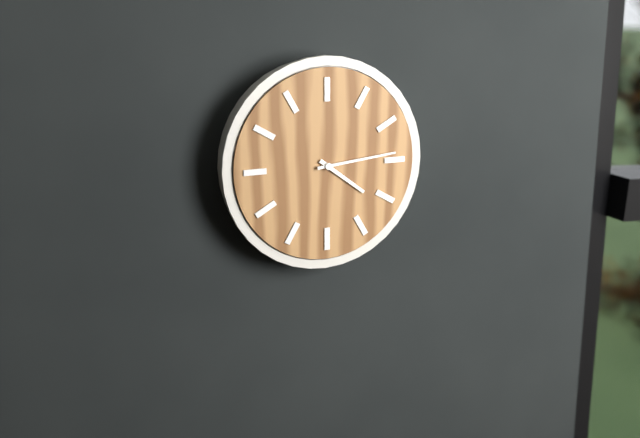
4 h 14 min
